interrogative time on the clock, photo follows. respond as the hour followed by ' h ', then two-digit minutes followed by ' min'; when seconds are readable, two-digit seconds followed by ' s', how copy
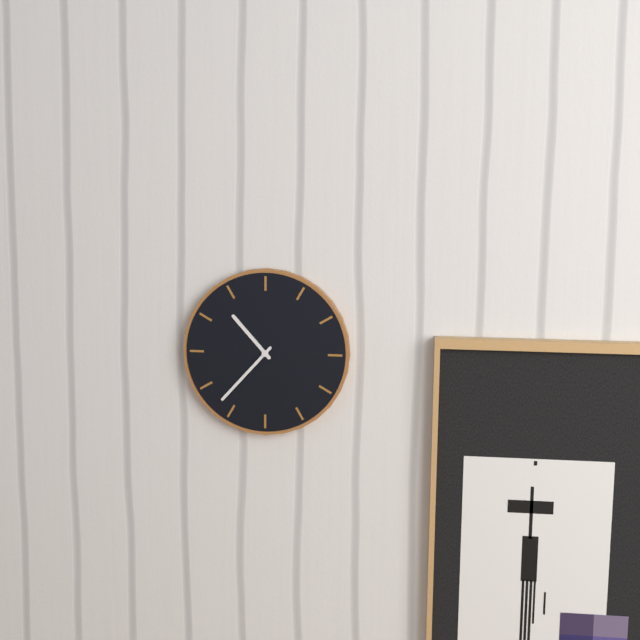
10 h 37 min
